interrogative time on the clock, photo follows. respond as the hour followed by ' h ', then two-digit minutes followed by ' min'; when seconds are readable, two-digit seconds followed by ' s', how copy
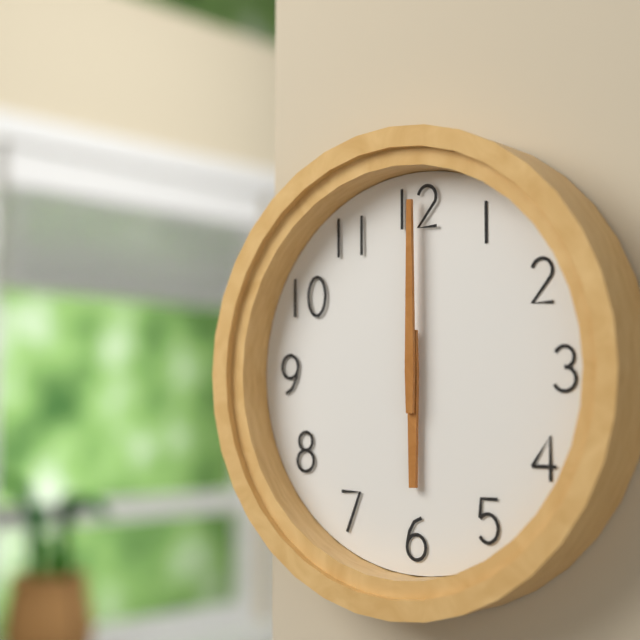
6 h 00 min
